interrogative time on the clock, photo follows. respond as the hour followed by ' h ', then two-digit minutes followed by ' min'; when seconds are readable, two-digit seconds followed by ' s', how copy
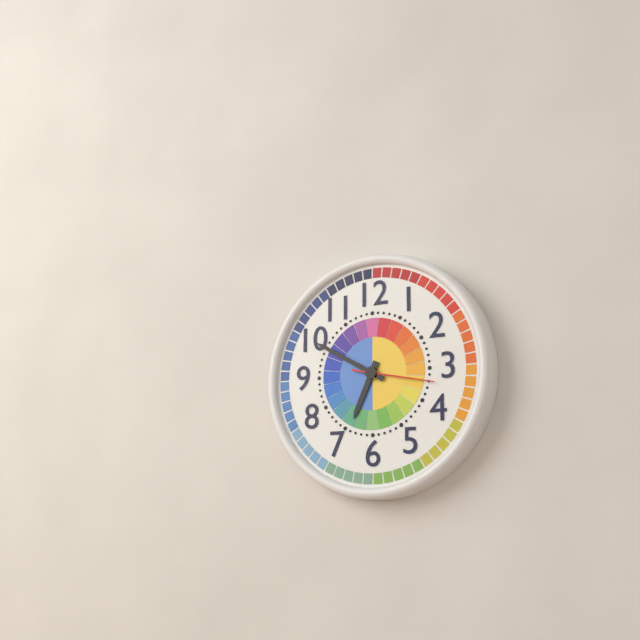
6 h 50 min 17 s
